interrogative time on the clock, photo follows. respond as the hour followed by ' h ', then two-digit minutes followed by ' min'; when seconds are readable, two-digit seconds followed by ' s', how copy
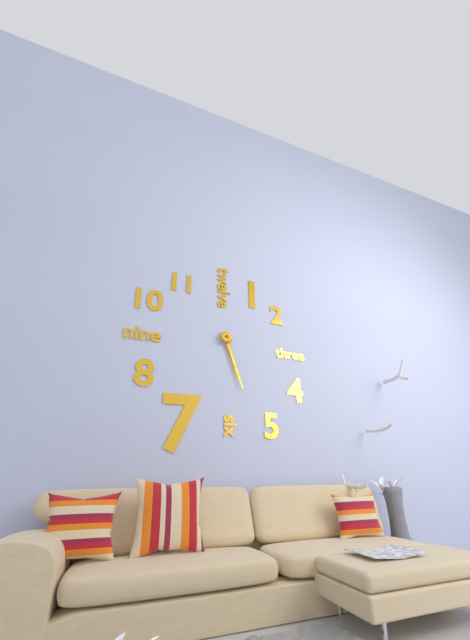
5 h 27 min
